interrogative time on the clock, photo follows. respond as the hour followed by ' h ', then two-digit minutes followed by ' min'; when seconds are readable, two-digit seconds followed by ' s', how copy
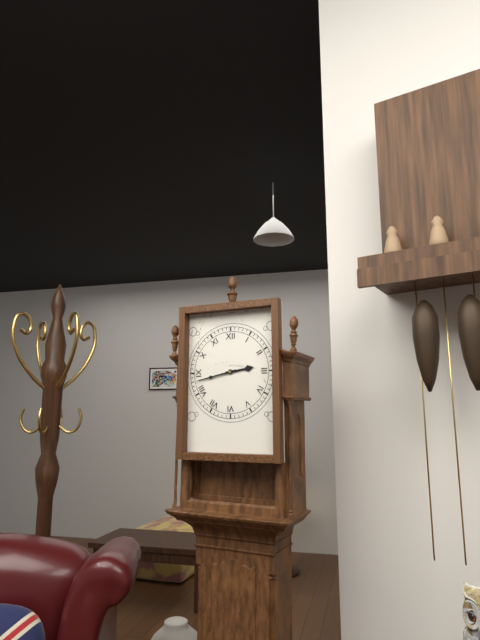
2 h 43 min
